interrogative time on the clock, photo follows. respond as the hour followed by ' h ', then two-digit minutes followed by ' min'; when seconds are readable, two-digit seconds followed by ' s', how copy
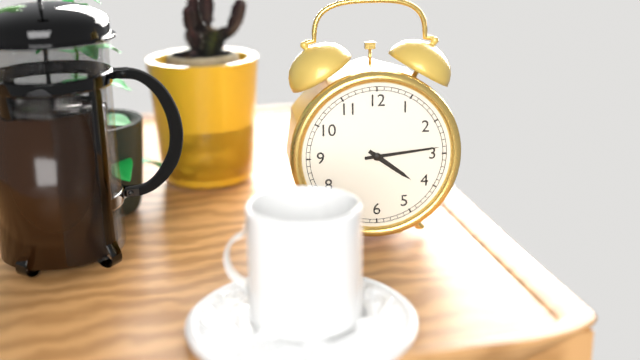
4 h 14 min
